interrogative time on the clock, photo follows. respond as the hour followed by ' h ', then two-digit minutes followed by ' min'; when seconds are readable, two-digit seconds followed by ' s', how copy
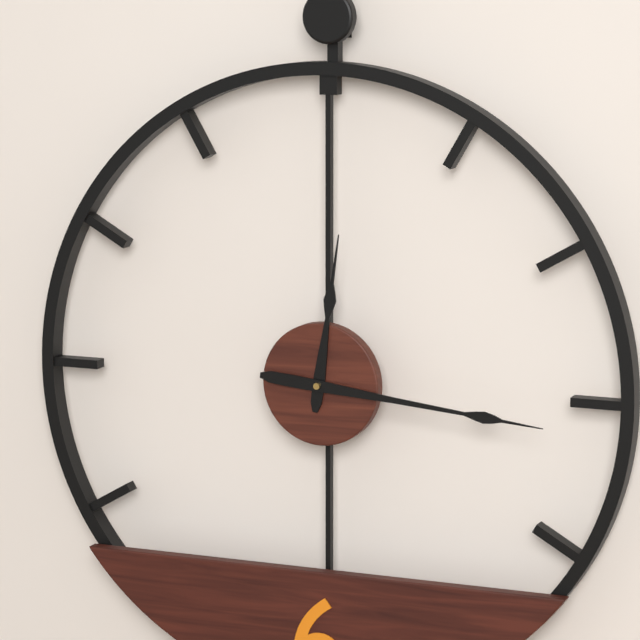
12 h 16 min
